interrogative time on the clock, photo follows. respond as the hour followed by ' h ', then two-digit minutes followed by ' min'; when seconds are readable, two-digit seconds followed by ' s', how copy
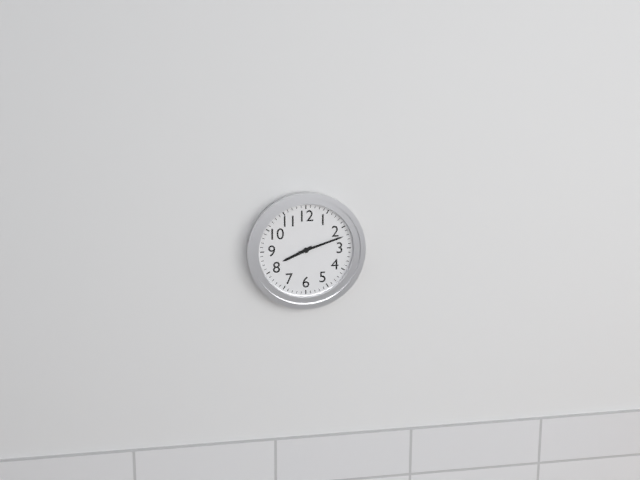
8 h 12 min
